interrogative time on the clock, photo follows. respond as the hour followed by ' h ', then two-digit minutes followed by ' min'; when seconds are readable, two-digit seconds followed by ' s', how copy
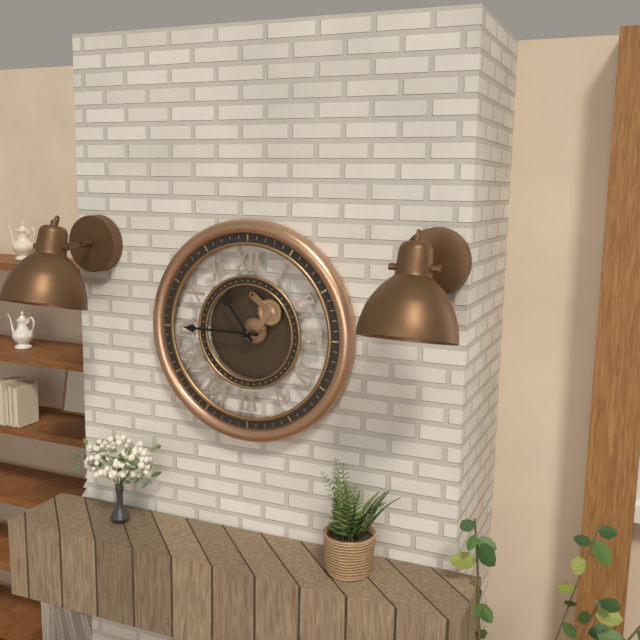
10 h 45 min
